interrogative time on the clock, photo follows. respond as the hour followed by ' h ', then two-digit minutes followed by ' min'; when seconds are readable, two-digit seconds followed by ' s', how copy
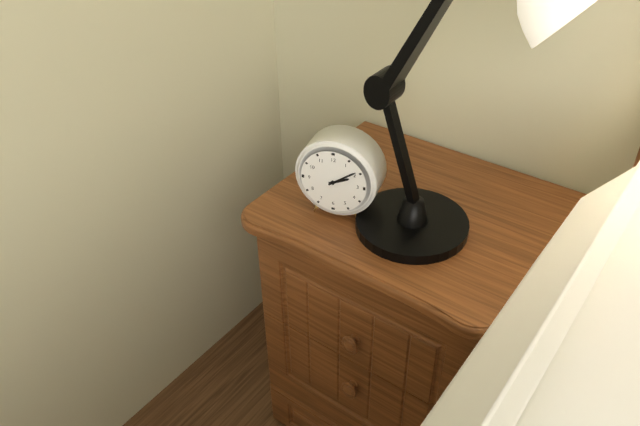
2 h 09 min
